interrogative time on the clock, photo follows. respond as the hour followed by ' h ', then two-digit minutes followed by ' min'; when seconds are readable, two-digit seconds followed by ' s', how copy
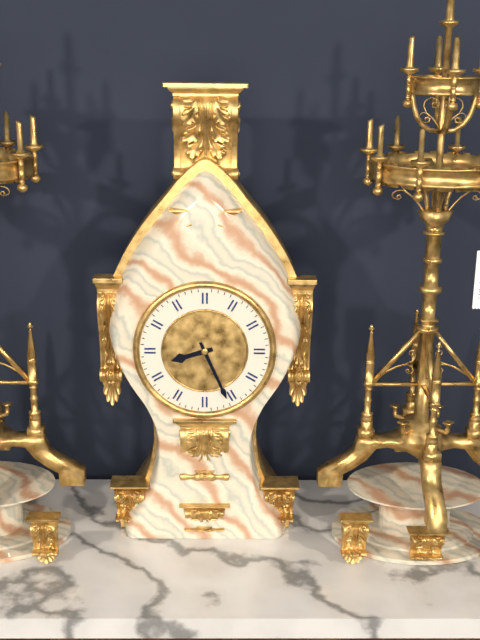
8 h 26 min
